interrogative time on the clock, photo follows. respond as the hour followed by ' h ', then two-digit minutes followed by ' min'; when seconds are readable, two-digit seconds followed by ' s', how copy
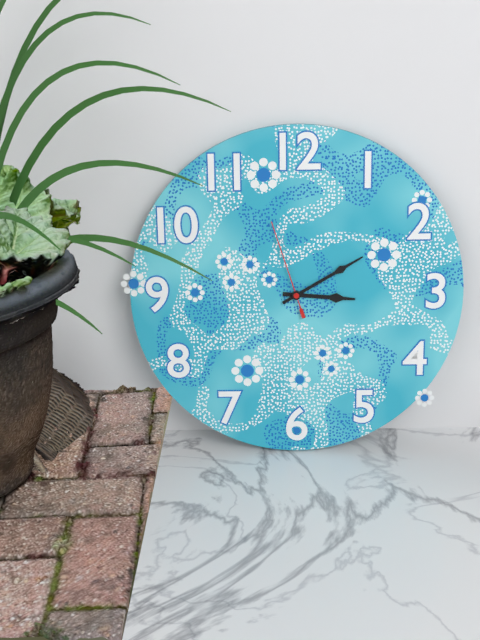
3 h 10 min 57 s
